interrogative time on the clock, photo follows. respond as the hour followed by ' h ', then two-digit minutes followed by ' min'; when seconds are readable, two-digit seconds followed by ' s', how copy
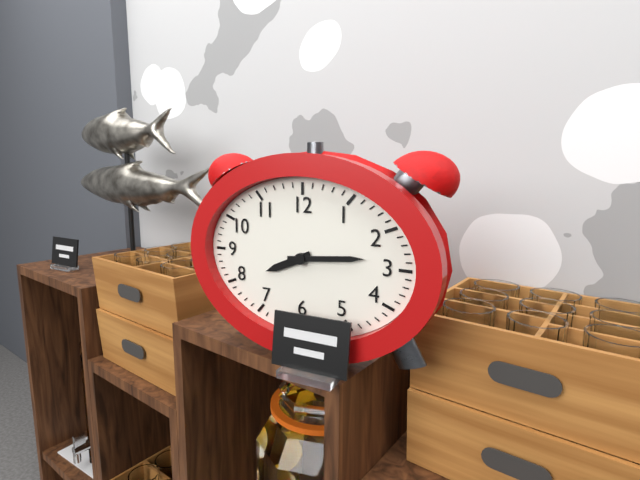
8 h 14 min
